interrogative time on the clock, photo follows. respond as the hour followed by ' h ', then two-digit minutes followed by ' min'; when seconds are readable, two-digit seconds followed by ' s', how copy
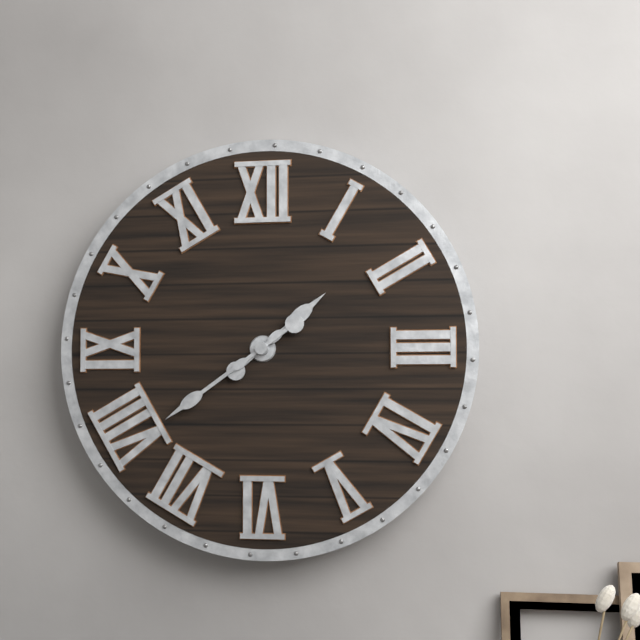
1 h 39 min
